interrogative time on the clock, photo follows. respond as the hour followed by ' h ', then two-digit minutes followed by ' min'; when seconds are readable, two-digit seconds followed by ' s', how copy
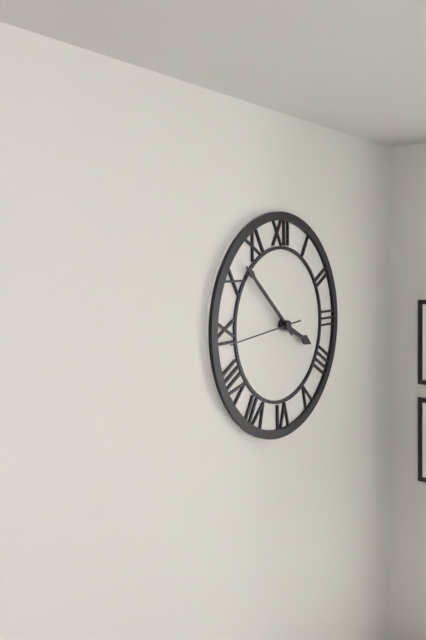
3 h 52 min 44 s
